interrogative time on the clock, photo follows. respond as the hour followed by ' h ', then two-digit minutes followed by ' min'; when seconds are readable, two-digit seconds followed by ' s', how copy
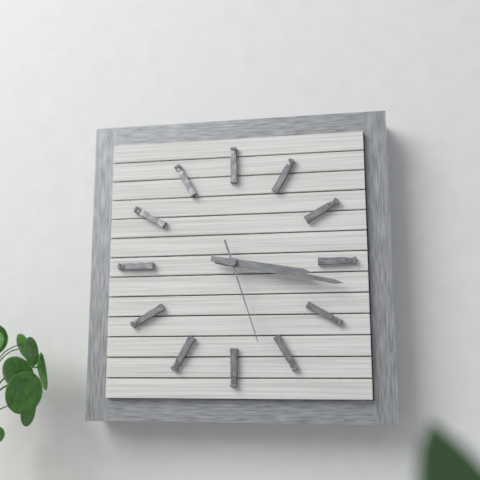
3 h 17 min 27 s
